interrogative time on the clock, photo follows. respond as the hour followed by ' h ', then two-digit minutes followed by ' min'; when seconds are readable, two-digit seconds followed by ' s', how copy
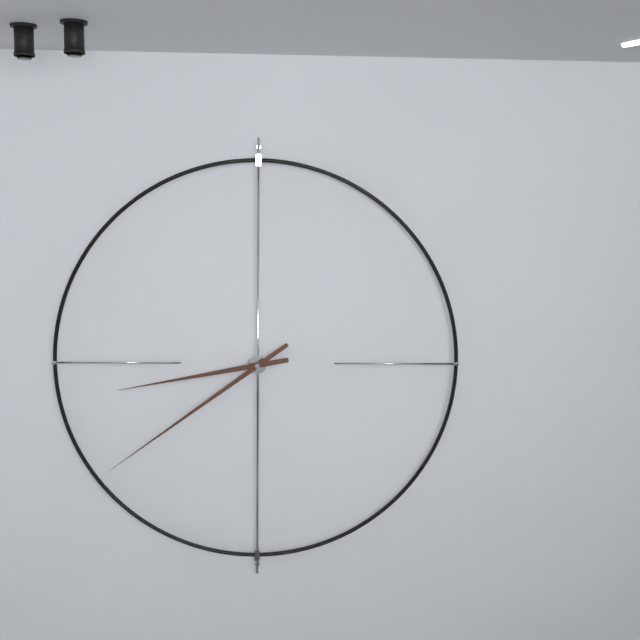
8 h 39 min
